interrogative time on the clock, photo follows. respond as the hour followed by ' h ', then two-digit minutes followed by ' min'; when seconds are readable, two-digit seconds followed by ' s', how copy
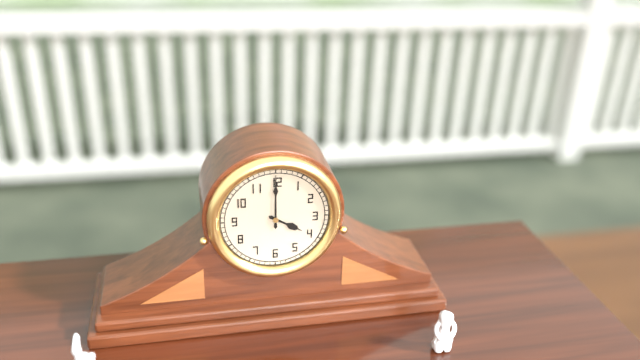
4 h 00 min
